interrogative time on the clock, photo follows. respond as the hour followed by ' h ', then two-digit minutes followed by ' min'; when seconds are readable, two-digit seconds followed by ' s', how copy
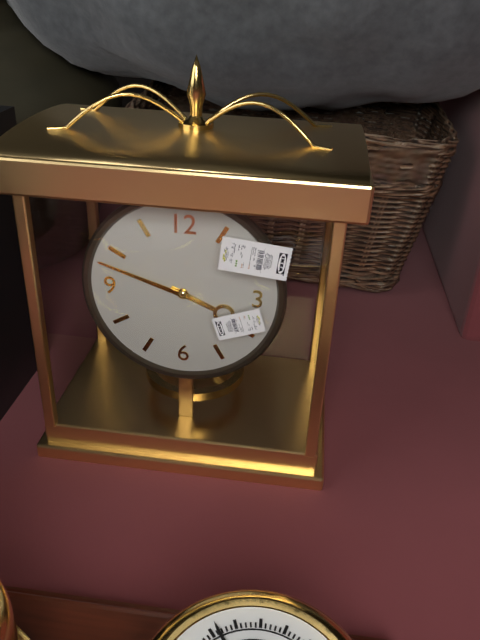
3 h 48 min
